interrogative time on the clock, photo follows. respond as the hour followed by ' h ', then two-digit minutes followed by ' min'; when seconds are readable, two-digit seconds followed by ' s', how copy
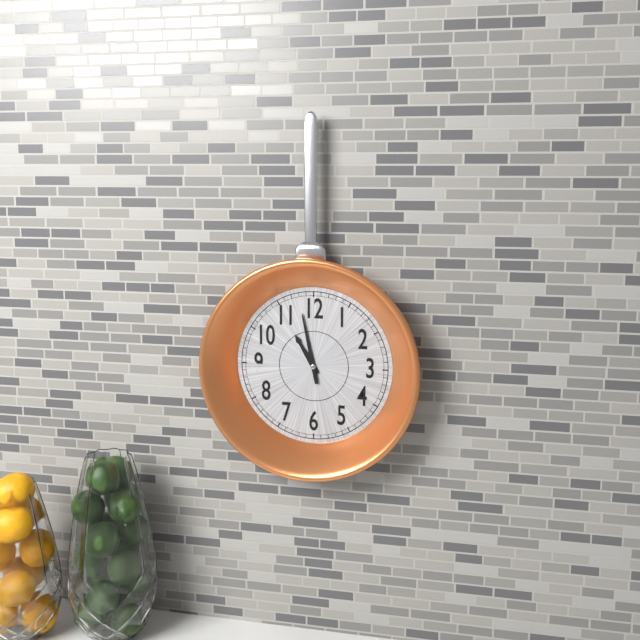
10 h 58 min
